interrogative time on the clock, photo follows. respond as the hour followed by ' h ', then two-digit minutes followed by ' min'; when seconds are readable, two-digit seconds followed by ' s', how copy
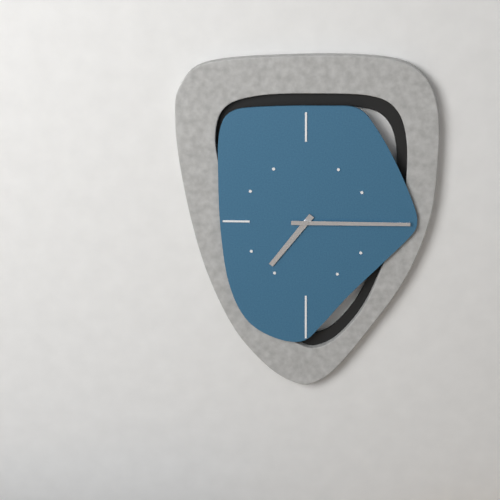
7 h 15 min
